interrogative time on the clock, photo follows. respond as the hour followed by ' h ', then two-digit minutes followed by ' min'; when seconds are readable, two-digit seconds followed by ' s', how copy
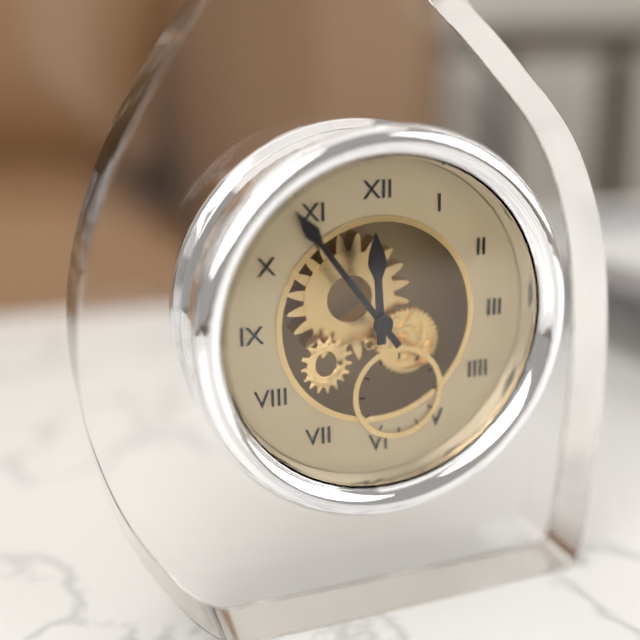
11 h 54 min
